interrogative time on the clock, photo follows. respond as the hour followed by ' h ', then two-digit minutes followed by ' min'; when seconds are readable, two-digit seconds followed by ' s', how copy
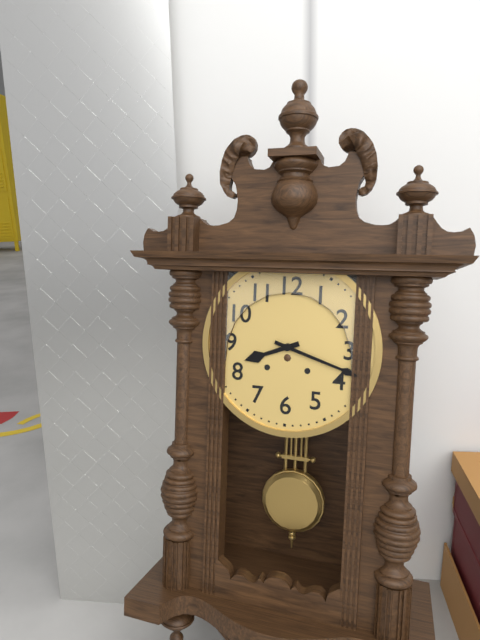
8 h 18 min
